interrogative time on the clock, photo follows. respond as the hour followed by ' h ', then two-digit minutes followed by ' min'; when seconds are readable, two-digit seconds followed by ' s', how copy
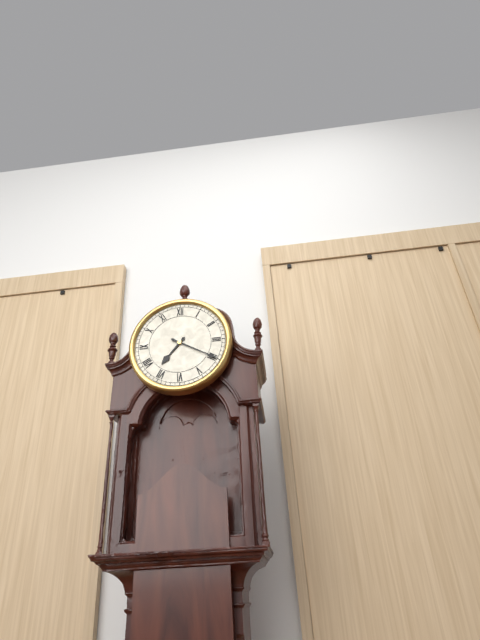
7 h 20 min
